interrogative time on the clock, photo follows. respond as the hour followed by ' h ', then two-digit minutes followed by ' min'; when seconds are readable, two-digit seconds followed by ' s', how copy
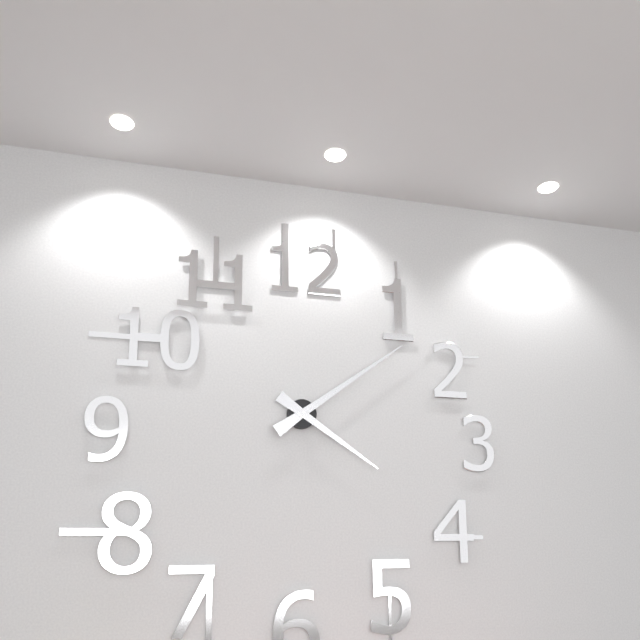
4 h 09 min
